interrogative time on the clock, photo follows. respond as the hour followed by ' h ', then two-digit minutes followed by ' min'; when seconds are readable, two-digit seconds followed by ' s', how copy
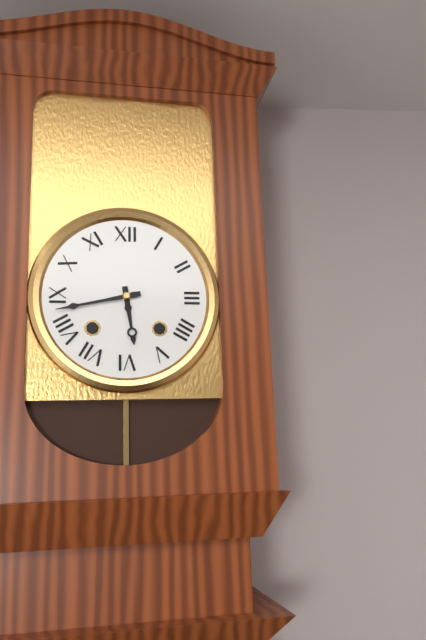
5 h 43 min
